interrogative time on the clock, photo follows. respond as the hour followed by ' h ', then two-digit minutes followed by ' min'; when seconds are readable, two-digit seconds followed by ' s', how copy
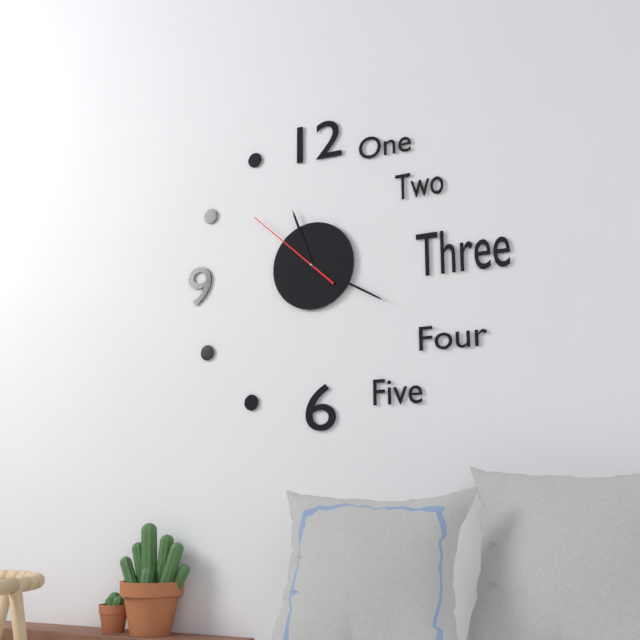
11 h 20 min 52 s
